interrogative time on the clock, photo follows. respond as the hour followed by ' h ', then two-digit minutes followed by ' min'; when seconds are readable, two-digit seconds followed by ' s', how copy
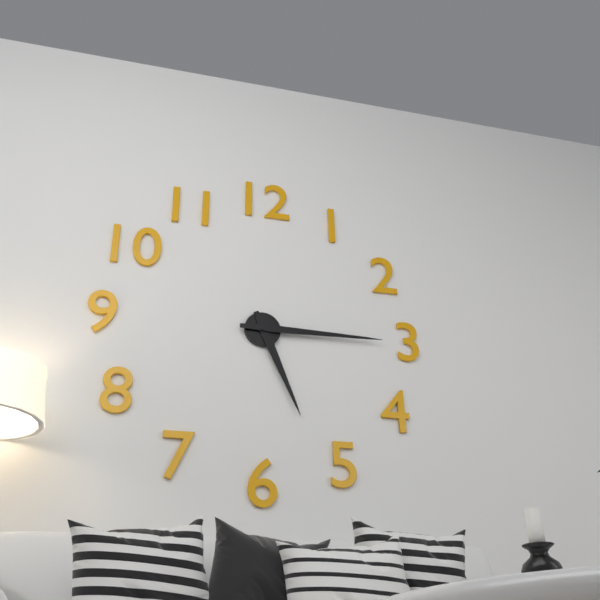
5 h 15 min
